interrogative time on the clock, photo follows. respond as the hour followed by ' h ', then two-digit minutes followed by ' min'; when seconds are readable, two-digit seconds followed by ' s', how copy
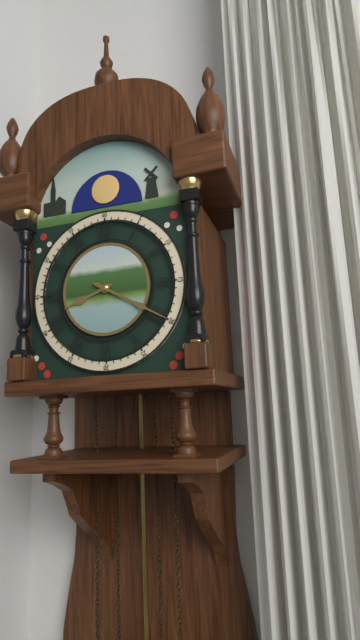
8 h 20 min
